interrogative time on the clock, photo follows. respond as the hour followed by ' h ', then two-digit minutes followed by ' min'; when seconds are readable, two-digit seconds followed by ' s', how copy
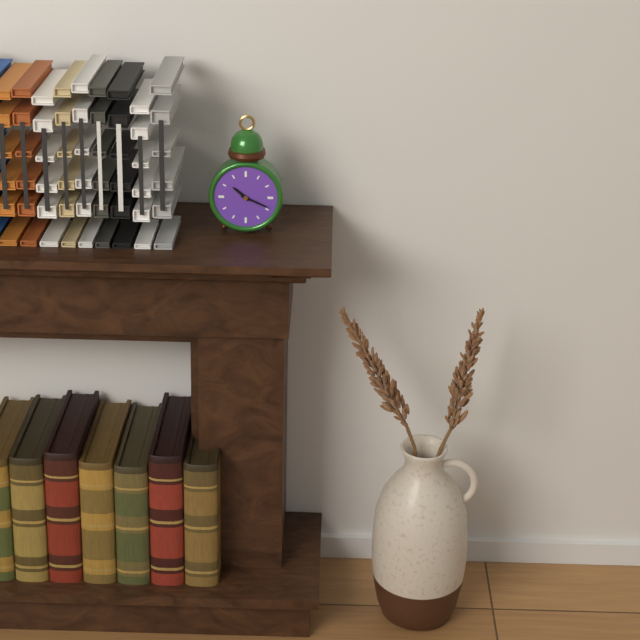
10 h 19 min
